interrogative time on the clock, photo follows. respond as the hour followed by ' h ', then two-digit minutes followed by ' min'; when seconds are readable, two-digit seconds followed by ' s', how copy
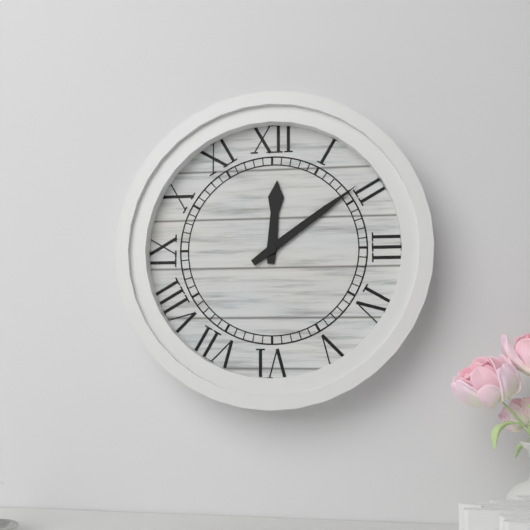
12 h 09 min
